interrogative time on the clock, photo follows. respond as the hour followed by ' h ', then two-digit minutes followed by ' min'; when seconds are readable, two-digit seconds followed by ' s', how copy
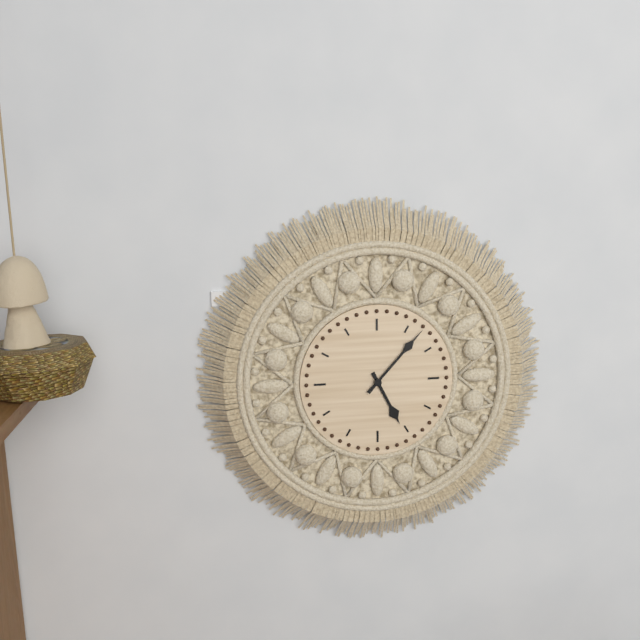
5 h 07 min
